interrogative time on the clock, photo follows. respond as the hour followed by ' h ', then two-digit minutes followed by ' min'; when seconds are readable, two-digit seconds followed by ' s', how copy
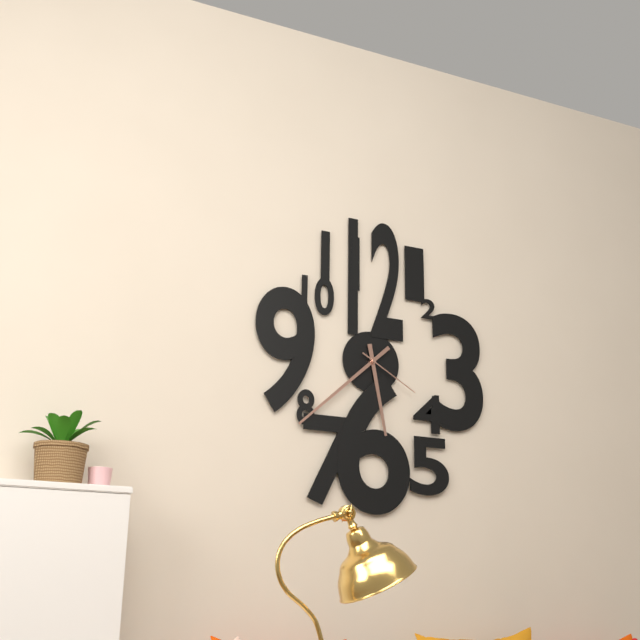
5 h 38 min 20 s
